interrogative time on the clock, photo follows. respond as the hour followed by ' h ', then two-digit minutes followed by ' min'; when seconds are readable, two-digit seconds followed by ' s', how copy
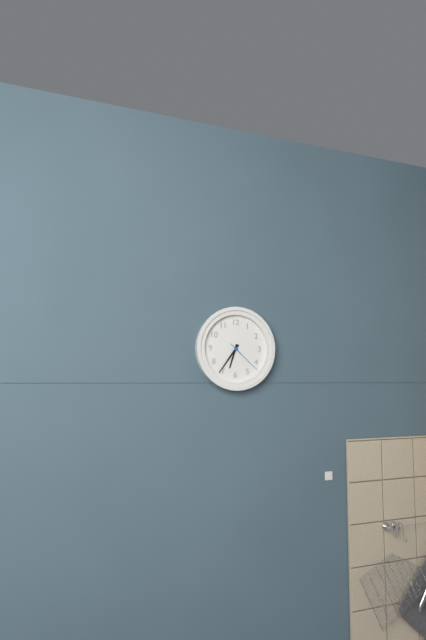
6 h 36 min
